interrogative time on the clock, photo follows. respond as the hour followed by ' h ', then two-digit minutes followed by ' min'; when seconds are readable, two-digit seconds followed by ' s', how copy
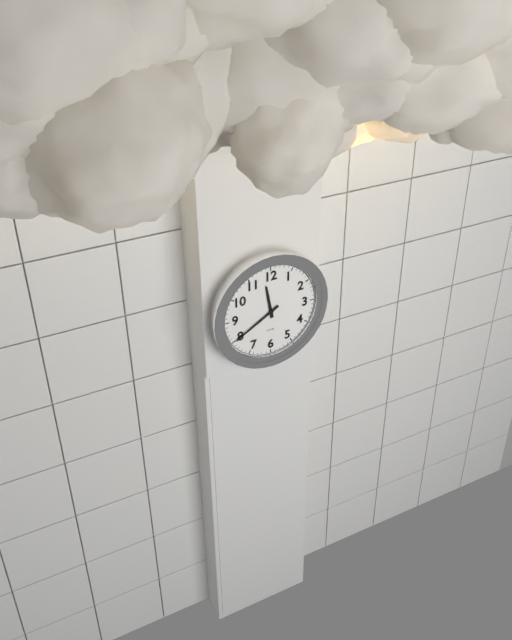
11 h 40 min
